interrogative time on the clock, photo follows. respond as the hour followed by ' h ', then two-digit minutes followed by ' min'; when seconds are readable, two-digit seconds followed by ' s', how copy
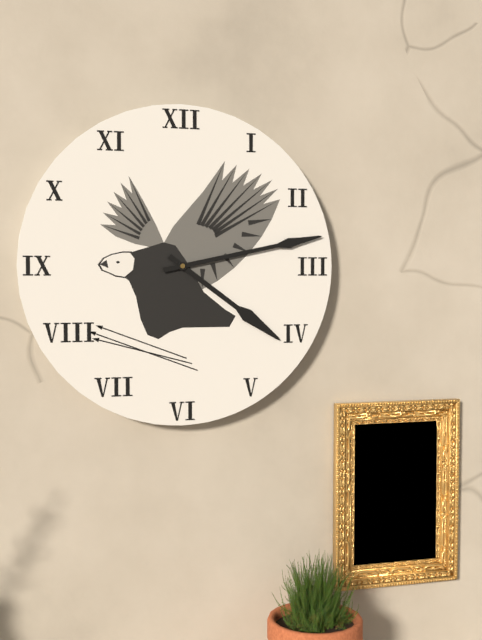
4 h 13 min
